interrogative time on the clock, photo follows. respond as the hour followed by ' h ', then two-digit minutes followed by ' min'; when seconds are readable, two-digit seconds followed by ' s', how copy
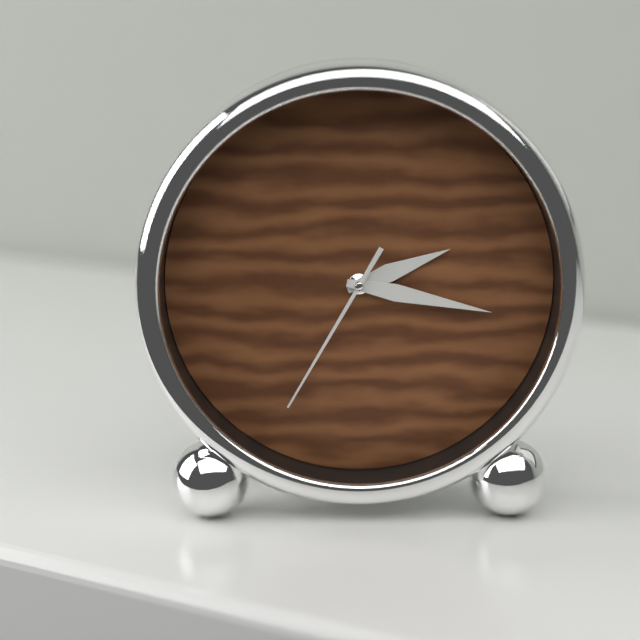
2 h 17 min 35 s
